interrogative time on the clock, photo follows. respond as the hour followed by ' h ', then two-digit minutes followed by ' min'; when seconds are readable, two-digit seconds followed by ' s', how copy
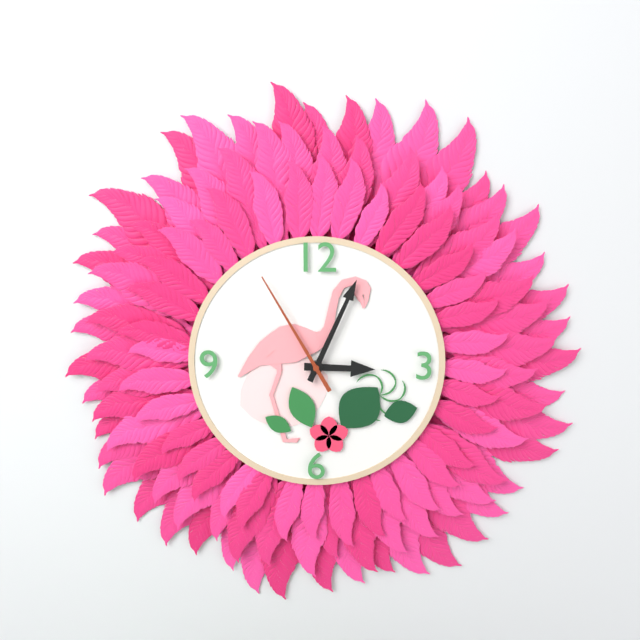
3 h 04 min 55 s
